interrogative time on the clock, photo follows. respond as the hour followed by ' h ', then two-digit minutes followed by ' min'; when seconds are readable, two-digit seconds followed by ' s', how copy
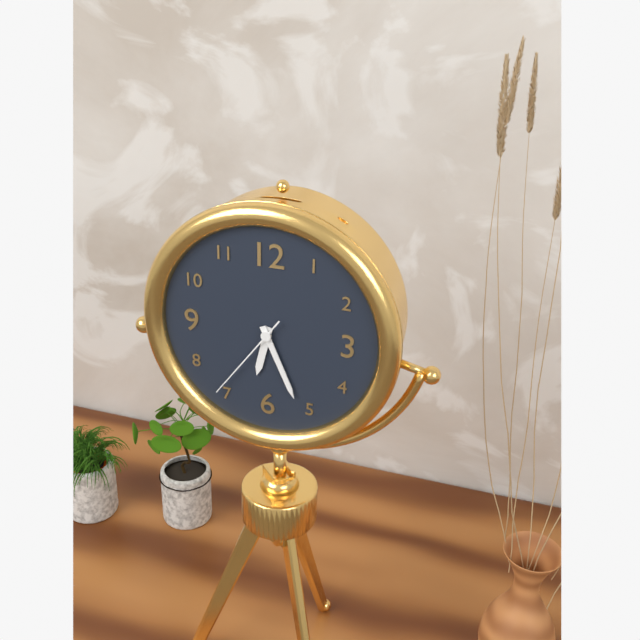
6 h 26 min 36 s
